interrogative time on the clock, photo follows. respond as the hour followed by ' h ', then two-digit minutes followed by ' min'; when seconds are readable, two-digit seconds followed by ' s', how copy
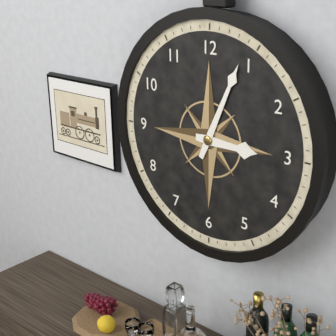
3 h 04 min
